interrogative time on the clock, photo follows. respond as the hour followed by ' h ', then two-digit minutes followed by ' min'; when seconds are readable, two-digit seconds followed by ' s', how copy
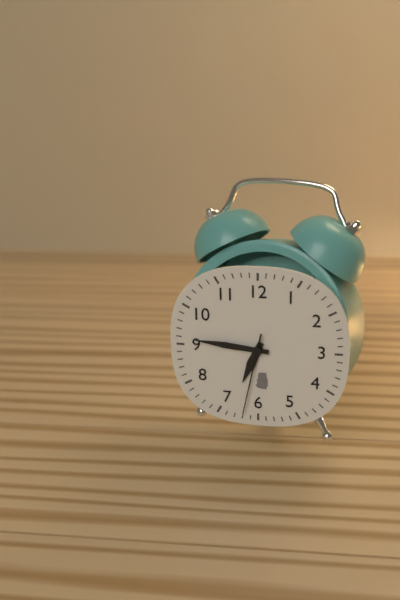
6 h 46 min 32 s
